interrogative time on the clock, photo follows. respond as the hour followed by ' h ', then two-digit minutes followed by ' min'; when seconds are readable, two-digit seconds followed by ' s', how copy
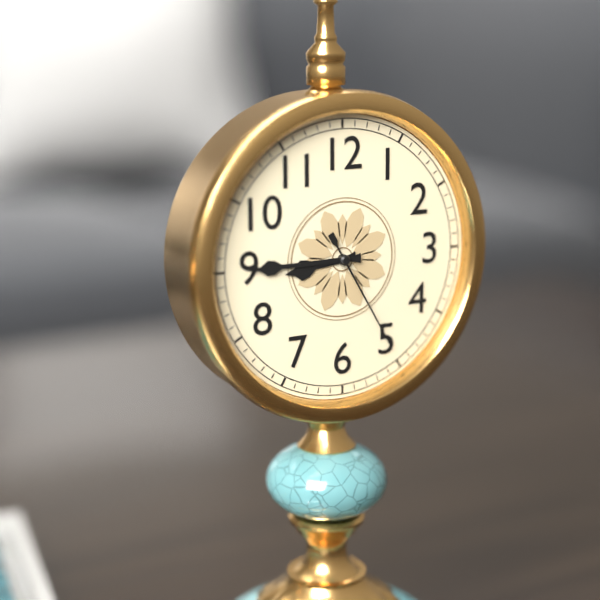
8 h 45 min 25 s
